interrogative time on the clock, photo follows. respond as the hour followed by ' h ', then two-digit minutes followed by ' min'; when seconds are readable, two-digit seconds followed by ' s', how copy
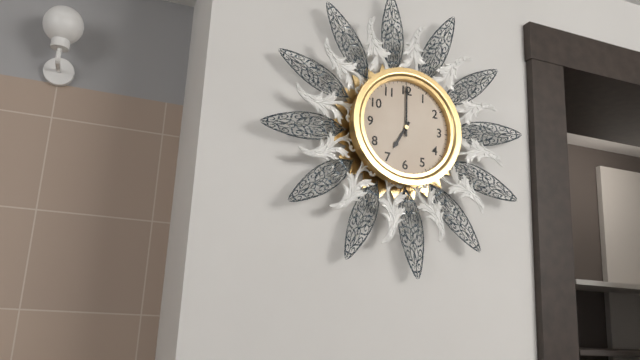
7 h 00 min
